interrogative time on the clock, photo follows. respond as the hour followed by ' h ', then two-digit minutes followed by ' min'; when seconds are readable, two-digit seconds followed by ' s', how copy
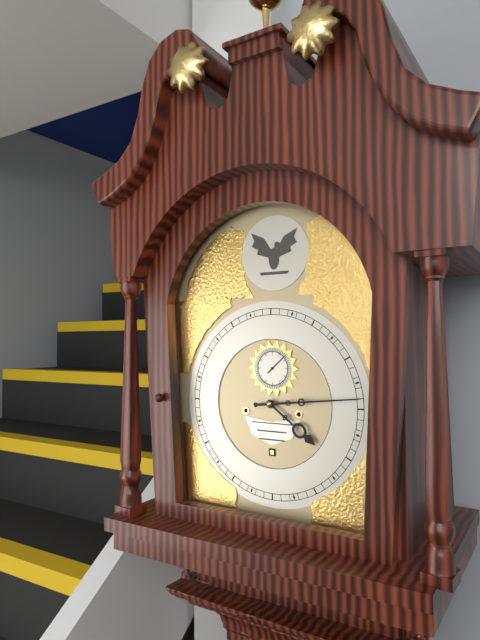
4 h 14 min
